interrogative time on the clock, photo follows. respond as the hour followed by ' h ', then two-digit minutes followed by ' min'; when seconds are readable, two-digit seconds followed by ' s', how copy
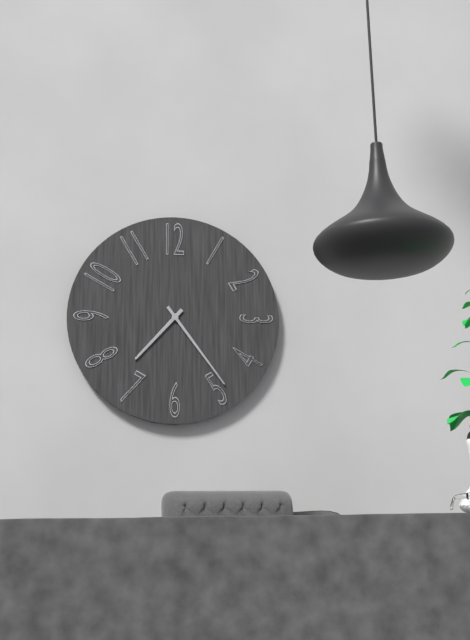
7 h 24 min
